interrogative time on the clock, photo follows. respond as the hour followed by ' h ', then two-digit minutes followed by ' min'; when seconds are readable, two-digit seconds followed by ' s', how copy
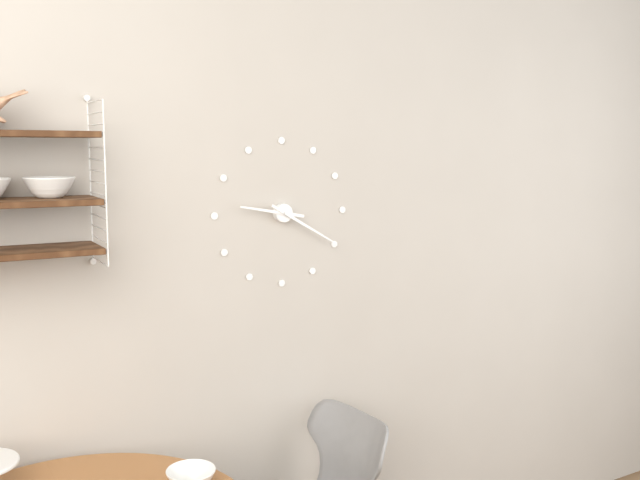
9 h 20 min
